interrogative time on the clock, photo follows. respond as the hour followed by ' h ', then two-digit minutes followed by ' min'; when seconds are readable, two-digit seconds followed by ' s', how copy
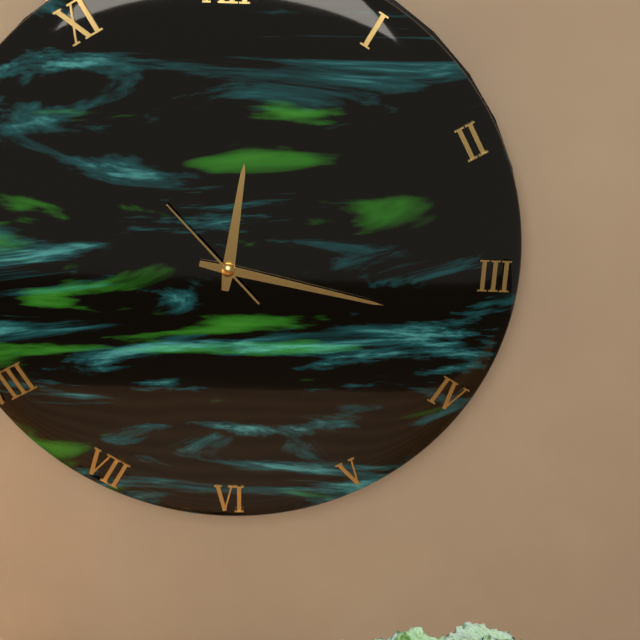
12 h 17 min 53 s
